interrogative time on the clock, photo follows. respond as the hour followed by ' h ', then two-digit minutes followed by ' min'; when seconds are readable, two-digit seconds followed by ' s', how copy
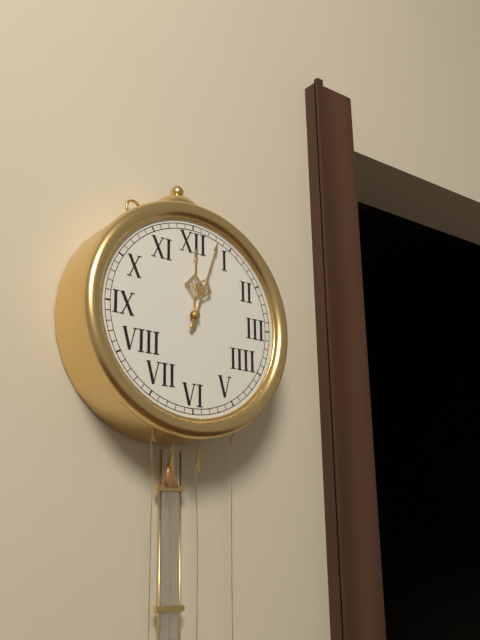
12 h 03 min
